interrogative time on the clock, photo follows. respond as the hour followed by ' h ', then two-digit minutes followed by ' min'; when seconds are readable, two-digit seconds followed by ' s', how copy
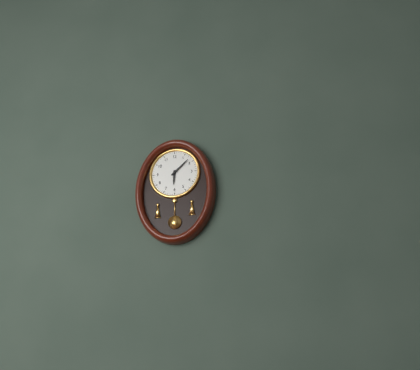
6 h 08 min
